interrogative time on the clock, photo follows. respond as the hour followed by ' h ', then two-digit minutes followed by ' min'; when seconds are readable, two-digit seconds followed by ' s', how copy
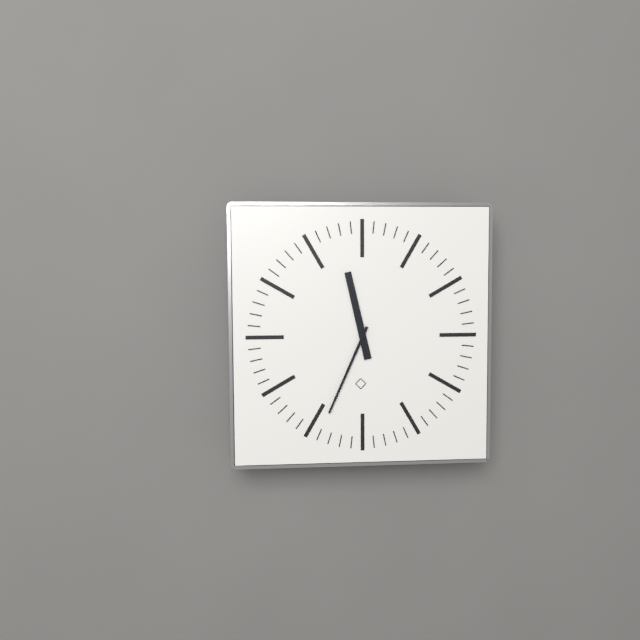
11 h 34 min
